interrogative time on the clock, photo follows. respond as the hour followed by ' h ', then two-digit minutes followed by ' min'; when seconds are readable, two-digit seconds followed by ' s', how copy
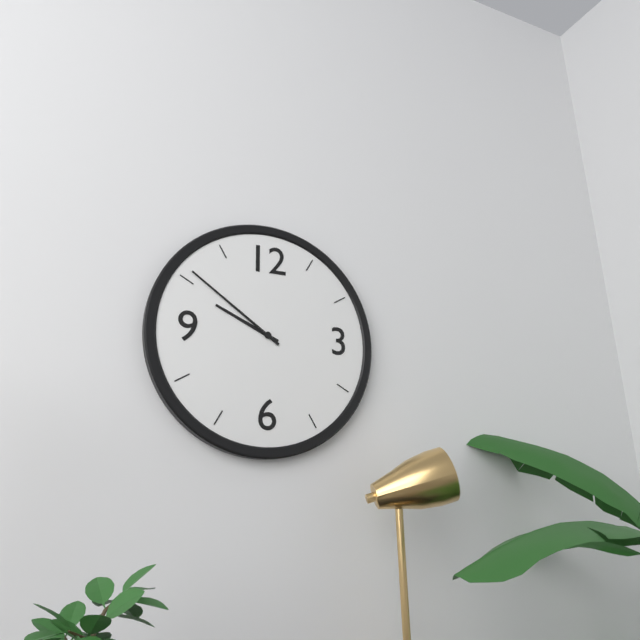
9 h 51 min
